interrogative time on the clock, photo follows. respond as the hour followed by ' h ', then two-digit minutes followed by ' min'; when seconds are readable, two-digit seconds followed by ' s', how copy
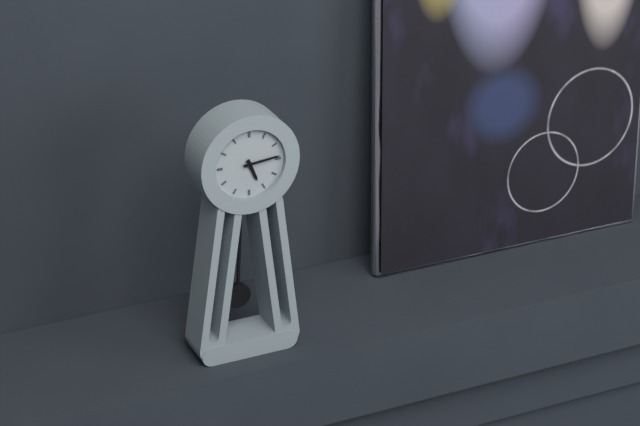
5 h 14 min
